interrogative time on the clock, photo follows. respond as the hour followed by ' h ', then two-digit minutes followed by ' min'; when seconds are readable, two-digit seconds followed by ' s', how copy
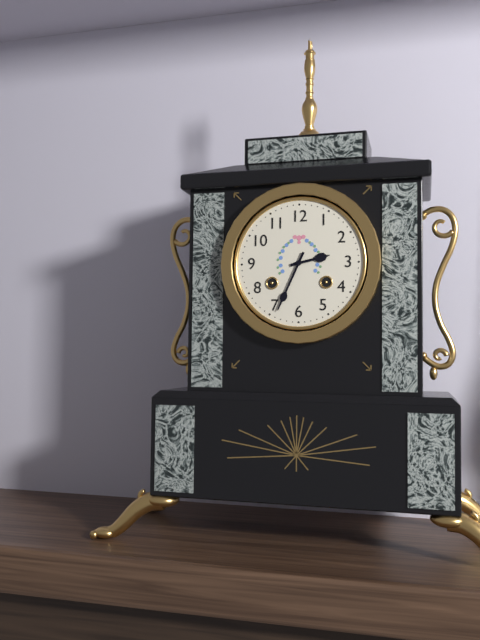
2 h 34 min
